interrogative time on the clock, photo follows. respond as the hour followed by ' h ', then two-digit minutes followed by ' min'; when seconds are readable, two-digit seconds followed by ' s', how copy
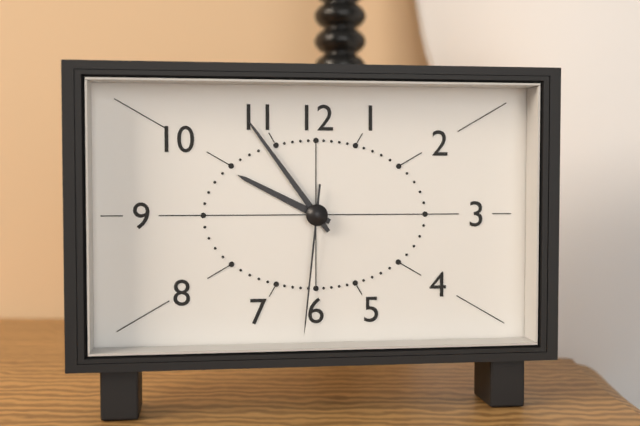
9 h 54 min 31 s
